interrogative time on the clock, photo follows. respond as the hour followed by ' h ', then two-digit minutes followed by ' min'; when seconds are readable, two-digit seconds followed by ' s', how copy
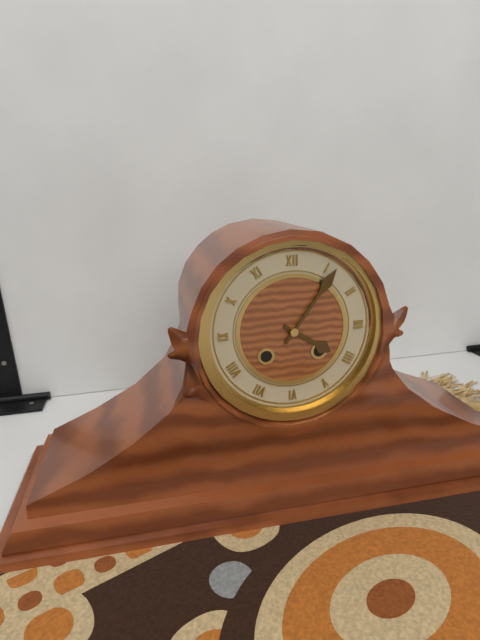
4 h 06 min
